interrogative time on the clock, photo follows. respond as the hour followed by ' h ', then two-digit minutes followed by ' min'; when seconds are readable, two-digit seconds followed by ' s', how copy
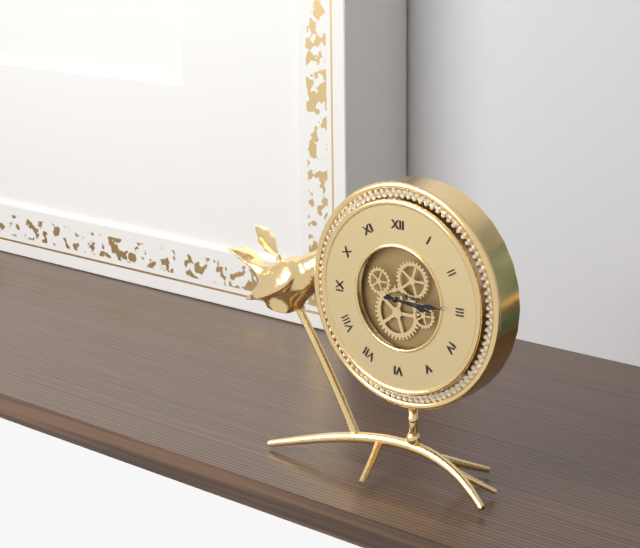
3 h 15 min
